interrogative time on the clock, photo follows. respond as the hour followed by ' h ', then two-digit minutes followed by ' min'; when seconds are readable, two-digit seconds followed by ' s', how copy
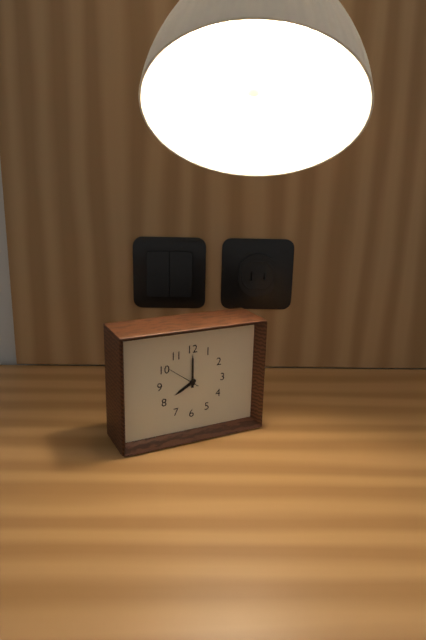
8 h 00 min
